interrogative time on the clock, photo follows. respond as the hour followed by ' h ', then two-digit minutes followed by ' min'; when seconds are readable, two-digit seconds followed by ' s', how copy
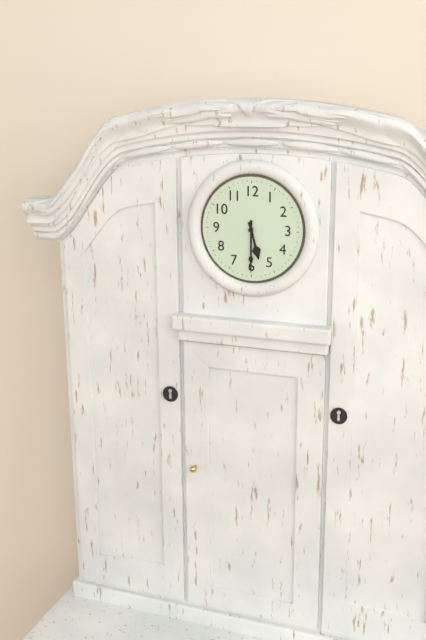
5 h 30 min
